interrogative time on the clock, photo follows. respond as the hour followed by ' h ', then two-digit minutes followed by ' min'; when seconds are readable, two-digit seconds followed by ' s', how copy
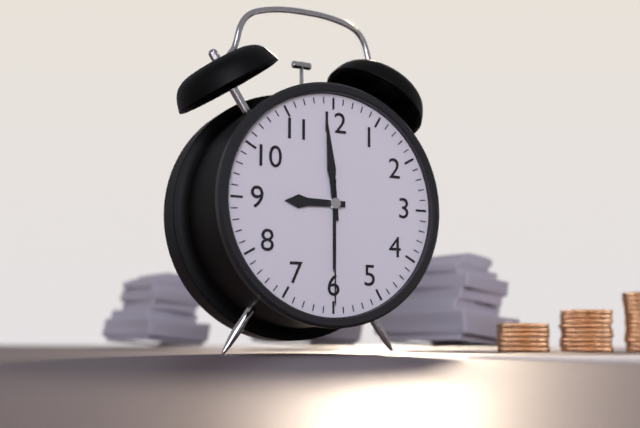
8 h 59 min 30 s
